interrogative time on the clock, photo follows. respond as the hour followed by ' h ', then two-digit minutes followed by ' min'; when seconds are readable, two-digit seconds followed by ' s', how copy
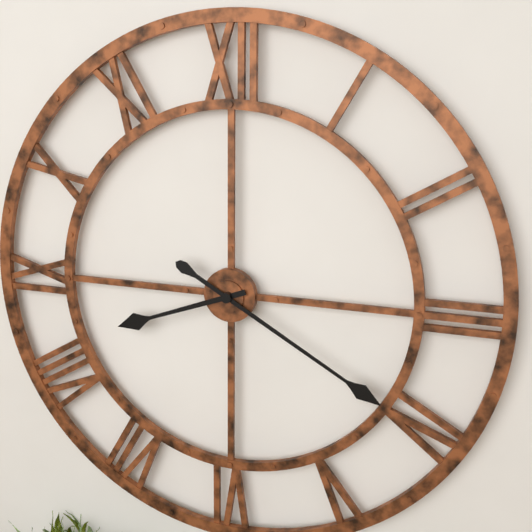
8 h 20 min
